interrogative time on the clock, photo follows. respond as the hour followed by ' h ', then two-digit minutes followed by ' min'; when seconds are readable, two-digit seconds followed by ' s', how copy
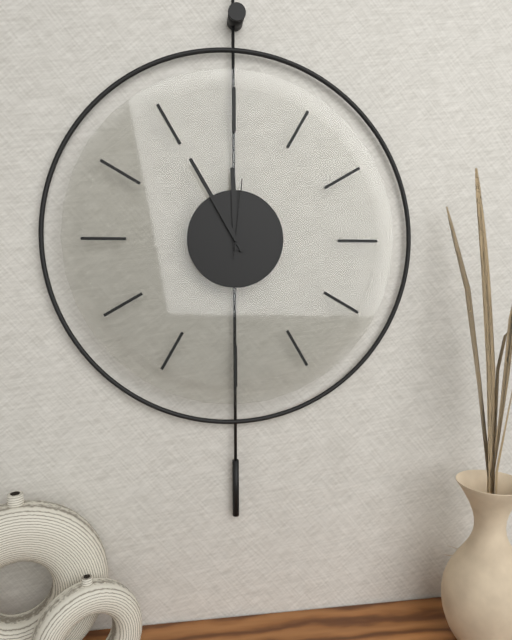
11 h 55 min 01 s
